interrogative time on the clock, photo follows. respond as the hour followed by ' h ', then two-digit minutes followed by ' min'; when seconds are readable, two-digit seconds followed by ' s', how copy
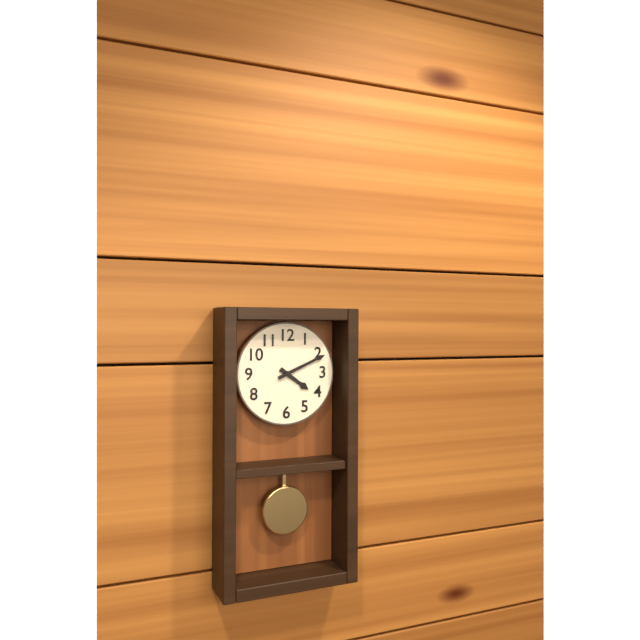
4 h 11 min
